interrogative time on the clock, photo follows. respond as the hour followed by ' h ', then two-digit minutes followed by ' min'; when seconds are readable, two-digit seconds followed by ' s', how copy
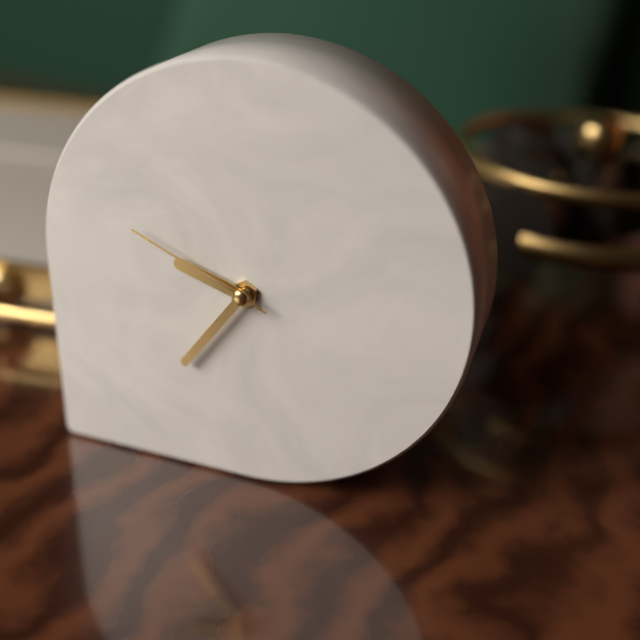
9 h 36 min 49 s
